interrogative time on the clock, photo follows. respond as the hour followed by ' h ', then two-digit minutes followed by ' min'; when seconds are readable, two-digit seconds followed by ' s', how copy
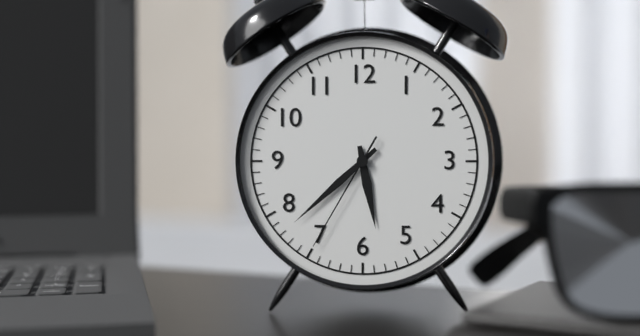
5 h 38 min 35 s
